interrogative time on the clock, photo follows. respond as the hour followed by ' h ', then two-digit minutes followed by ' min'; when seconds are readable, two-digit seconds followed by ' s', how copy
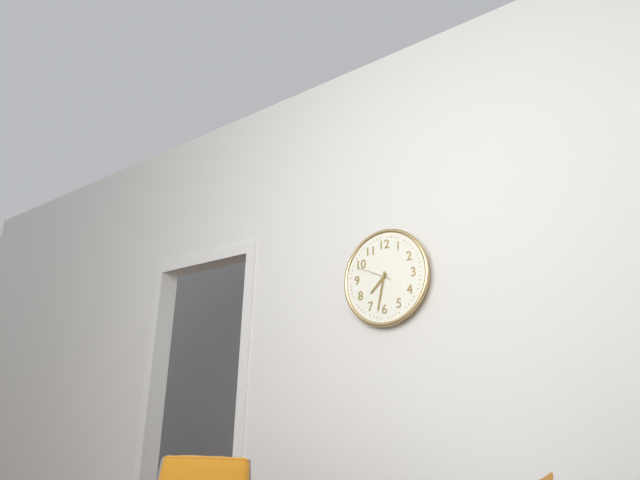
7 h 32 min
